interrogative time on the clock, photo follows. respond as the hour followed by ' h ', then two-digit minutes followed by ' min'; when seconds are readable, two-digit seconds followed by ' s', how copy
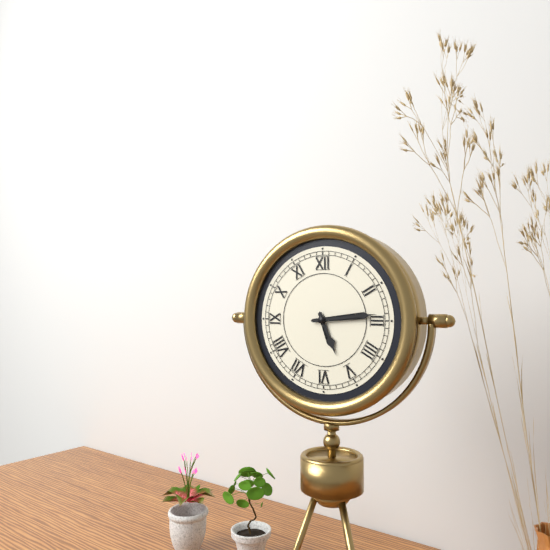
5 h 14 min
